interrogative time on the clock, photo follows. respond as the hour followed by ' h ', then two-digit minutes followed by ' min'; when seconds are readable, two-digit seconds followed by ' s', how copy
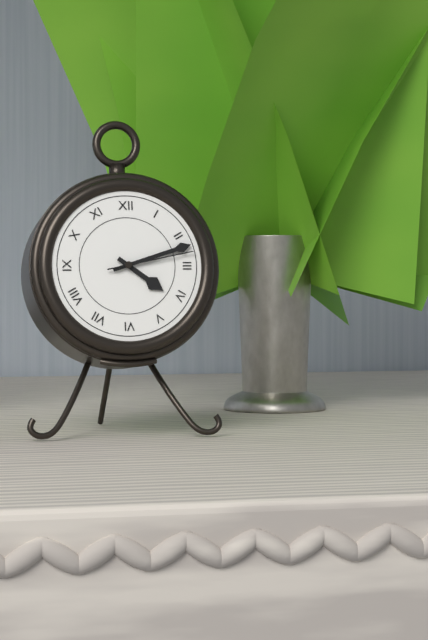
4 h 12 min 13 s
